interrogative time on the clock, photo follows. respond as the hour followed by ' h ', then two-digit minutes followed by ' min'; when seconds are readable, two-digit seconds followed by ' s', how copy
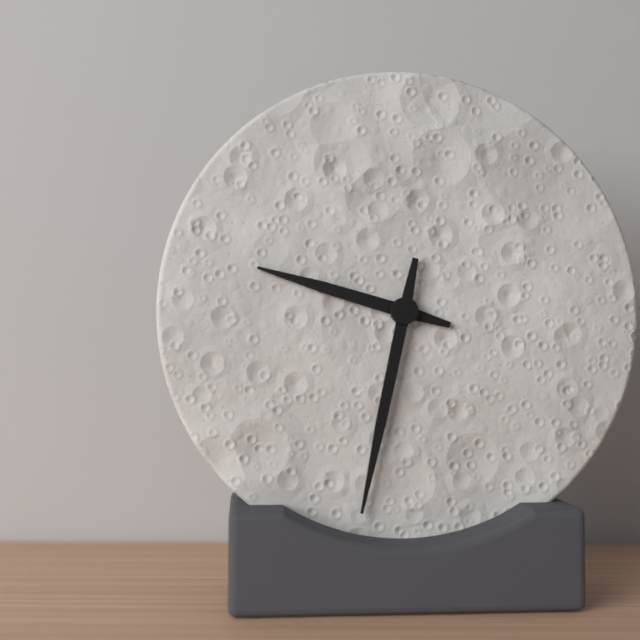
9 h 32 min
